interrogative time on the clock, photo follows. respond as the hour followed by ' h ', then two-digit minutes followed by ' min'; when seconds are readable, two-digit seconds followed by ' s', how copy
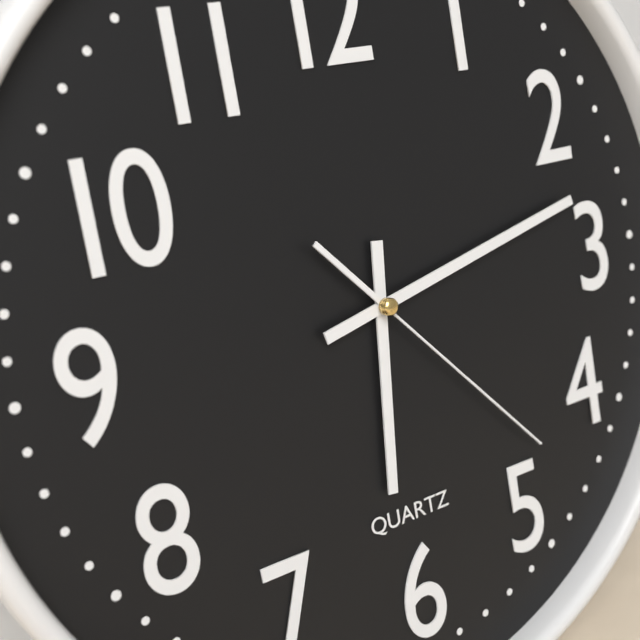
6 h 13 min 23 s
